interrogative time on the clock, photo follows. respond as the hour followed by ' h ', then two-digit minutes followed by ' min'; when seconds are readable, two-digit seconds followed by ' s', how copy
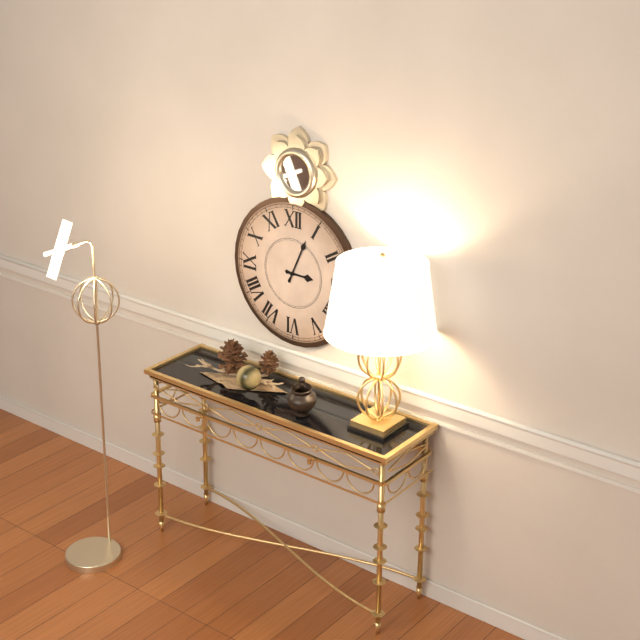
3 h 04 min
